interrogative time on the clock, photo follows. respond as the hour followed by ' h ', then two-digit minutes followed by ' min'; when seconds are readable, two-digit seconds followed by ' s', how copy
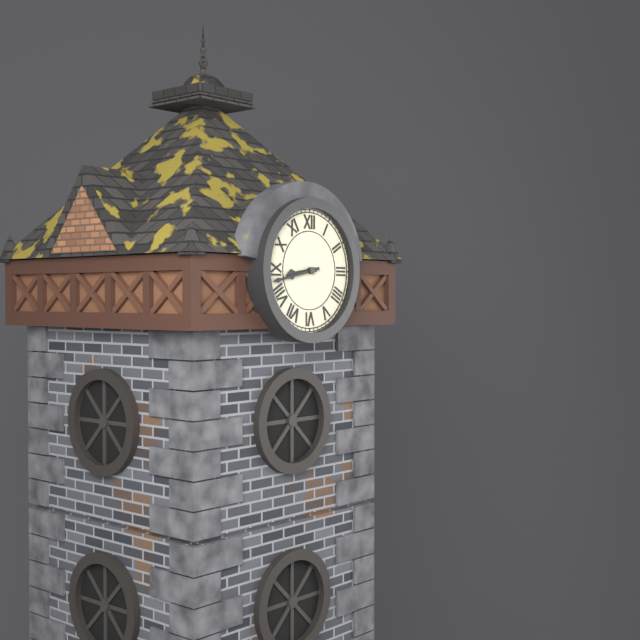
8 h 43 min
